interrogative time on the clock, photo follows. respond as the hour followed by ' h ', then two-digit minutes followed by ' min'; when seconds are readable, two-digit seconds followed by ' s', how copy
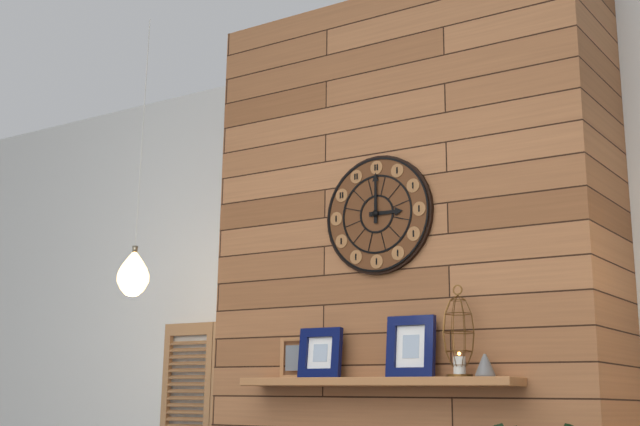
3 h 00 min
